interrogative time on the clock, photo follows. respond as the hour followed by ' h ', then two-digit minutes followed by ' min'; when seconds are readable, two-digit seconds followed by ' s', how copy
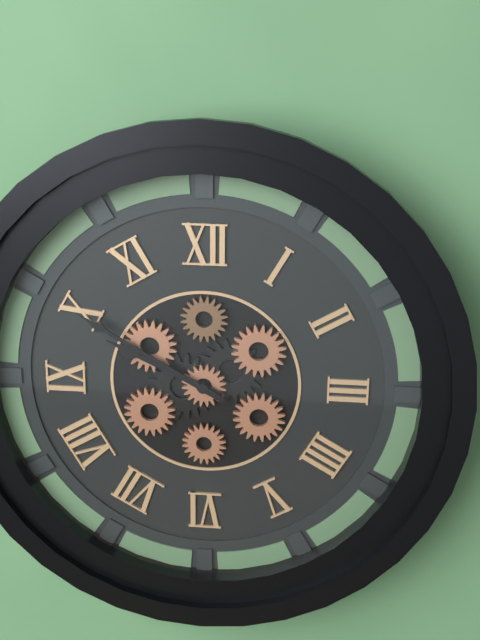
9 h 50 min
